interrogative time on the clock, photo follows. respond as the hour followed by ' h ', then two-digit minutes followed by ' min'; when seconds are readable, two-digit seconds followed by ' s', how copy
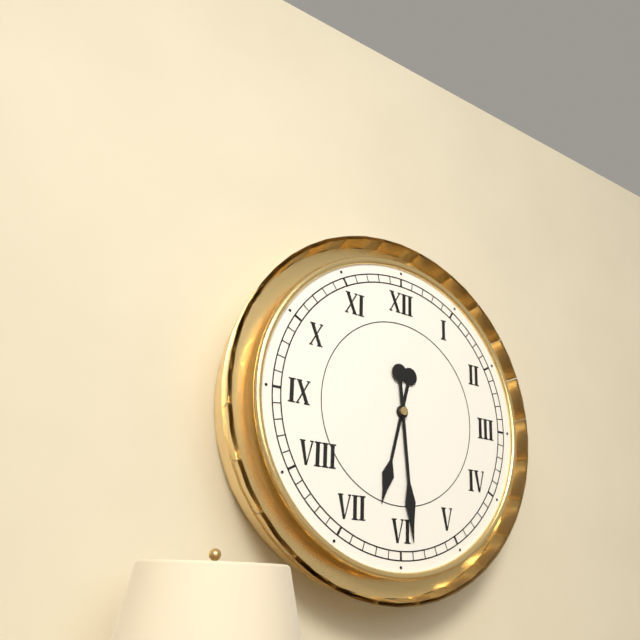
6 h 29 min
